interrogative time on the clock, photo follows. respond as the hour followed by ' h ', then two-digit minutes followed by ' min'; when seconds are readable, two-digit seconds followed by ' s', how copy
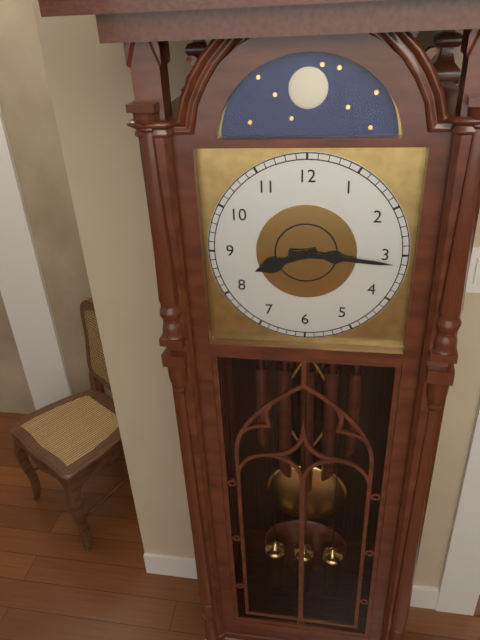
8 h 16 min
